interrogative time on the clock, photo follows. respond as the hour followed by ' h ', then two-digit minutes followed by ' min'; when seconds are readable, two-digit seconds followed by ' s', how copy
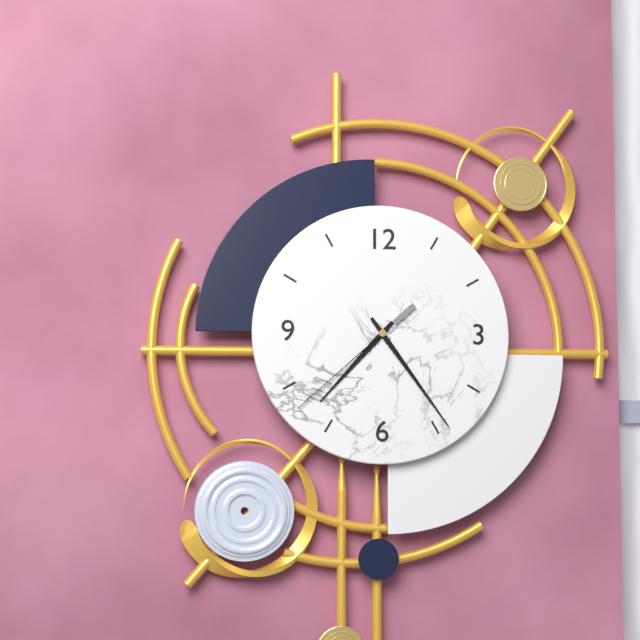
7 h 24 min 38 s
